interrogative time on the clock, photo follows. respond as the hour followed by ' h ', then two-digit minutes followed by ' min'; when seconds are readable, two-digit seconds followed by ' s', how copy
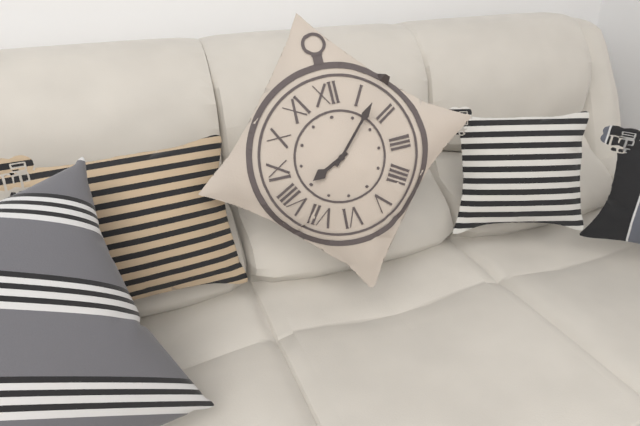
8 h 07 min
